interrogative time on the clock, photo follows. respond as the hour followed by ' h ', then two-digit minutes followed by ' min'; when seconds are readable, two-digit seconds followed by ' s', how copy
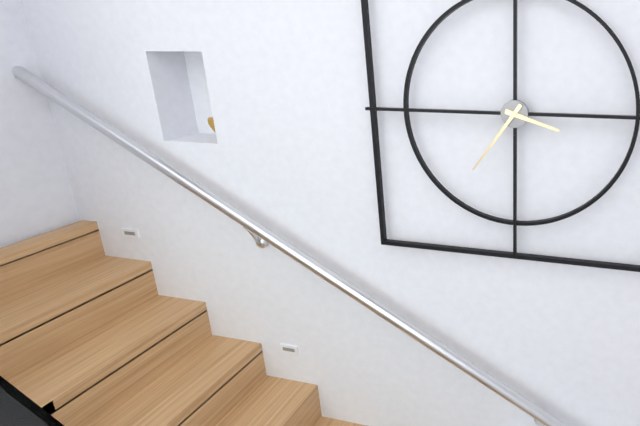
3 h 36 min
